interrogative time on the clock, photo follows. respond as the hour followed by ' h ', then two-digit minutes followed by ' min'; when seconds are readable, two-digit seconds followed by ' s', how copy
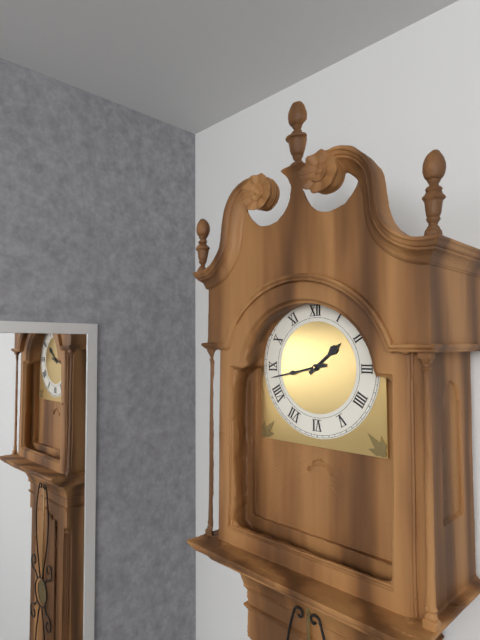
1 h 43 min
